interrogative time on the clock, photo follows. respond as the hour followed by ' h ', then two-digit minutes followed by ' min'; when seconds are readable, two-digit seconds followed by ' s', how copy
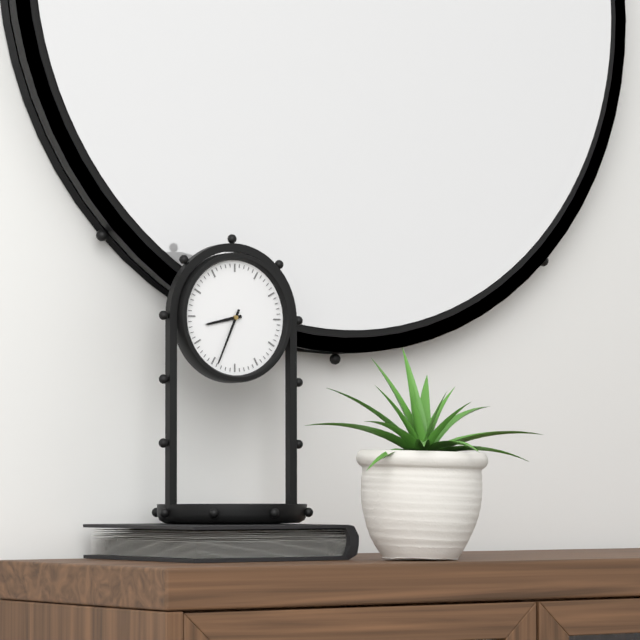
8 h 34 min
